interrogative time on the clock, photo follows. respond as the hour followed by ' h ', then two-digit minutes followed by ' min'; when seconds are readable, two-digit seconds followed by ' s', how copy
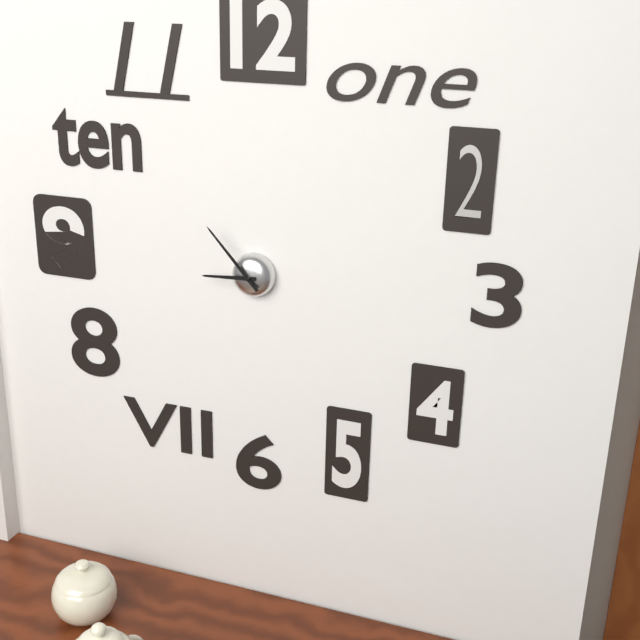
8 h 53 min
